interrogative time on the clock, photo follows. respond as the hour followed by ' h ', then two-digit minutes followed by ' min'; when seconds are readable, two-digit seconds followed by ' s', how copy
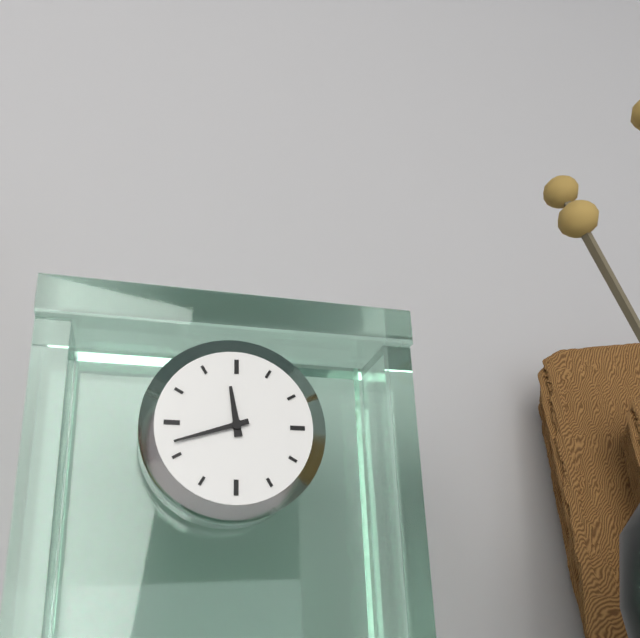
11 h 42 min
